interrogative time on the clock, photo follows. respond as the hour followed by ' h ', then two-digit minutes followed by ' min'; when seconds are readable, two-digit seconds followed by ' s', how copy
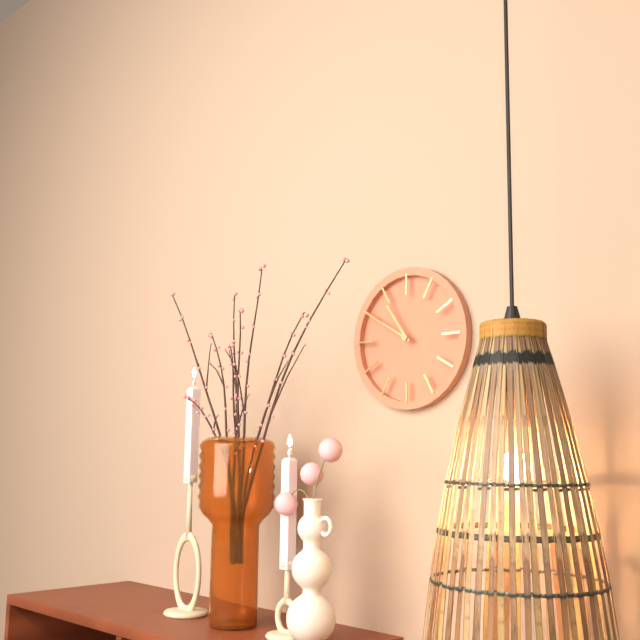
10 h 50 min
